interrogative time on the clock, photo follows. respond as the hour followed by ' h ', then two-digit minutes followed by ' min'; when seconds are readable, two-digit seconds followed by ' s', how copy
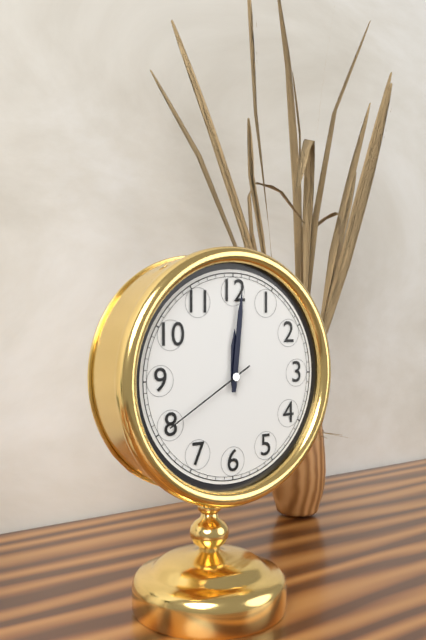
12 h 01 min 40 s
